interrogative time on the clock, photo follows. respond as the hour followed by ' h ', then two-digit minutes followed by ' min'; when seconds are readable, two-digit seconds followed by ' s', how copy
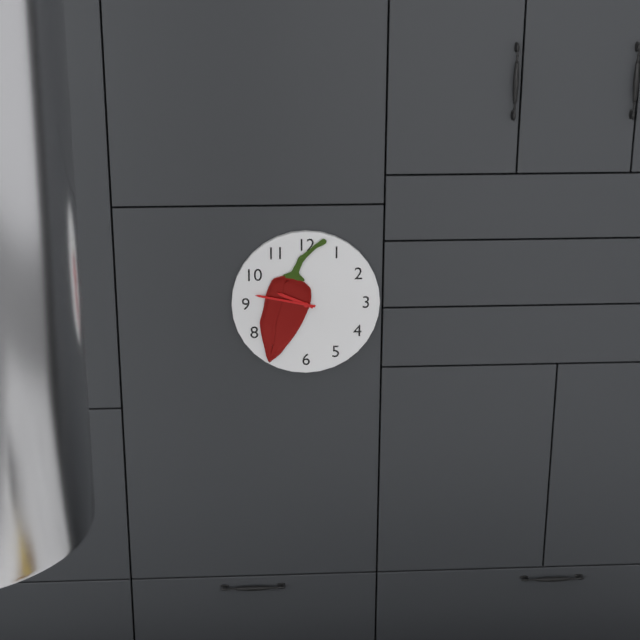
9 h 47 min
